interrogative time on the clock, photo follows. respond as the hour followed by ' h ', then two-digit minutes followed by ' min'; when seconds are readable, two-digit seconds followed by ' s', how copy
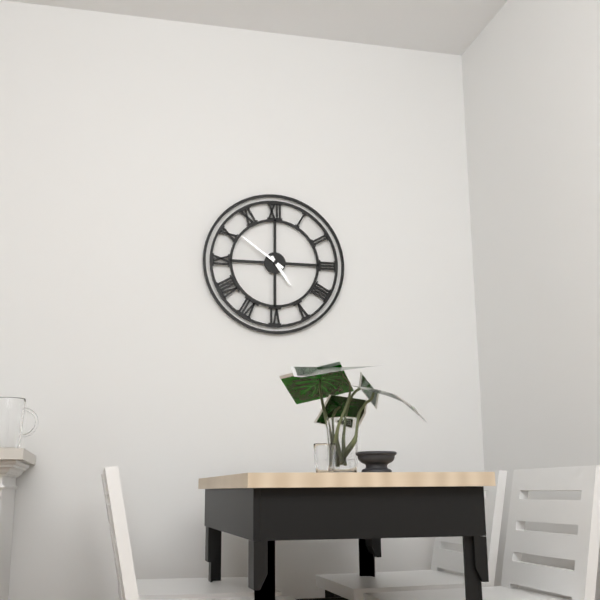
4 h 51 min
